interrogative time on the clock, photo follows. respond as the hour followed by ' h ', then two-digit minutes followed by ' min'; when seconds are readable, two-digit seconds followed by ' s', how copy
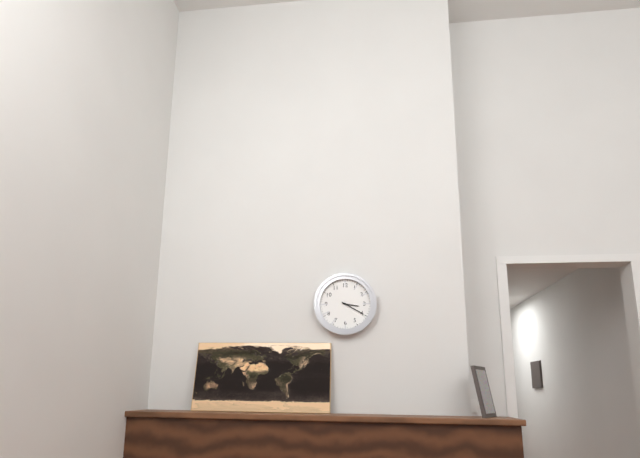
3 h 20 min
